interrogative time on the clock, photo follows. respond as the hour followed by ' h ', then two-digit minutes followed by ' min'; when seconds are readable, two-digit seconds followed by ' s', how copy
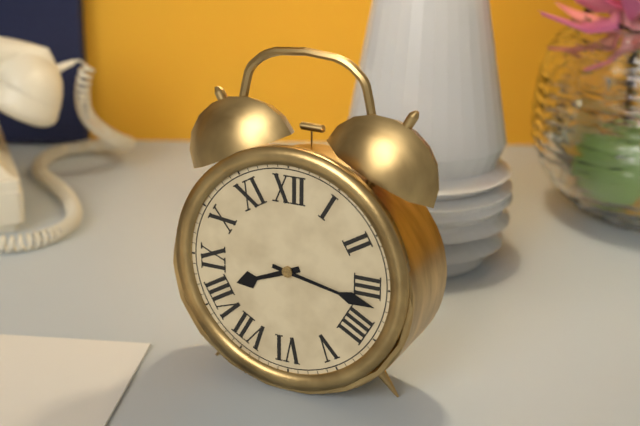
8 h 17 min
